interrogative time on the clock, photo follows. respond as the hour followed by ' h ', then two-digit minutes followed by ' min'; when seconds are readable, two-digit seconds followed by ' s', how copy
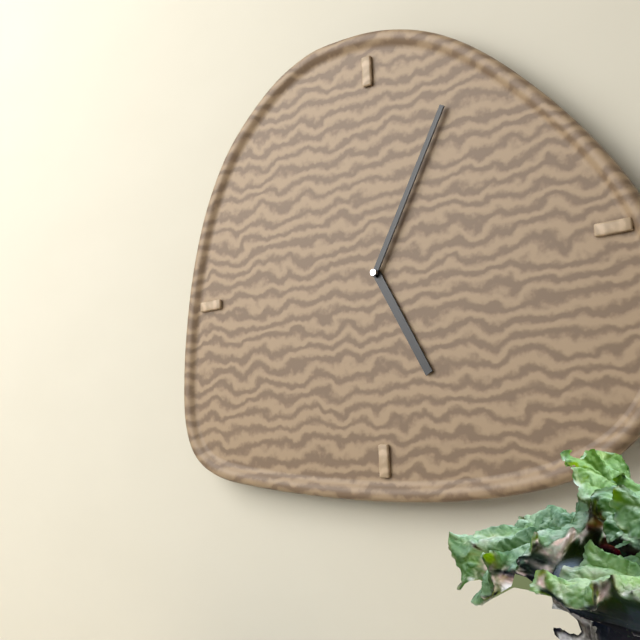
5 h 05 min
